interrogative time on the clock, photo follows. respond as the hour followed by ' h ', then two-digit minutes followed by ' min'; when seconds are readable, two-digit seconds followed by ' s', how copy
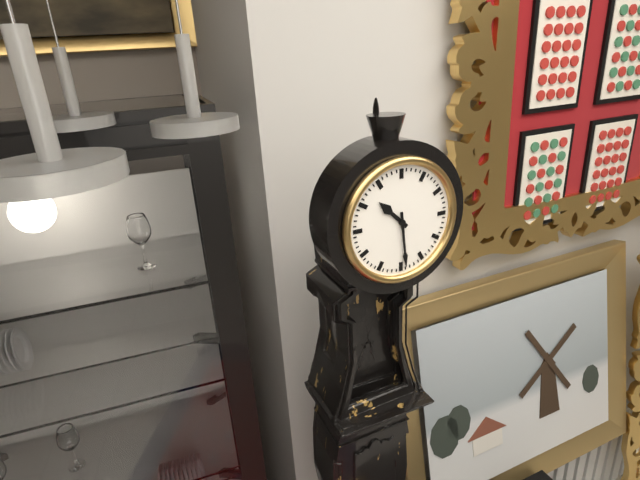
10 h 29 min
